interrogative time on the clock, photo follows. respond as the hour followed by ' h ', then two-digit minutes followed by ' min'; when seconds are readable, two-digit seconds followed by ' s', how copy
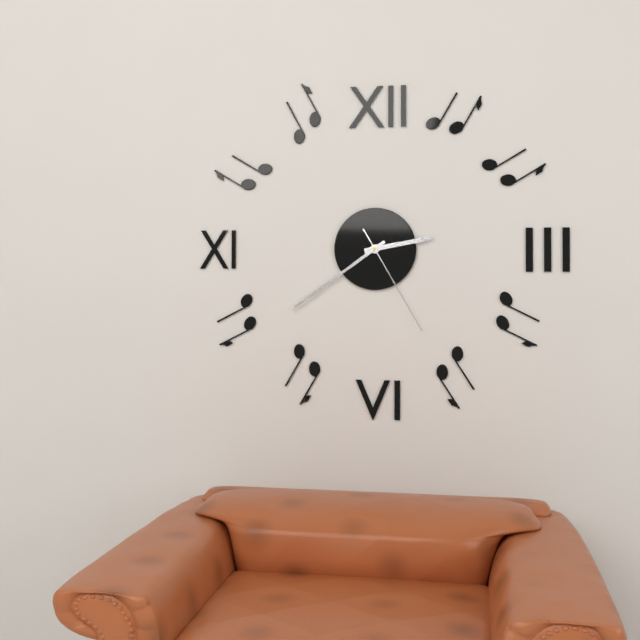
2 h 39 min 25 s
